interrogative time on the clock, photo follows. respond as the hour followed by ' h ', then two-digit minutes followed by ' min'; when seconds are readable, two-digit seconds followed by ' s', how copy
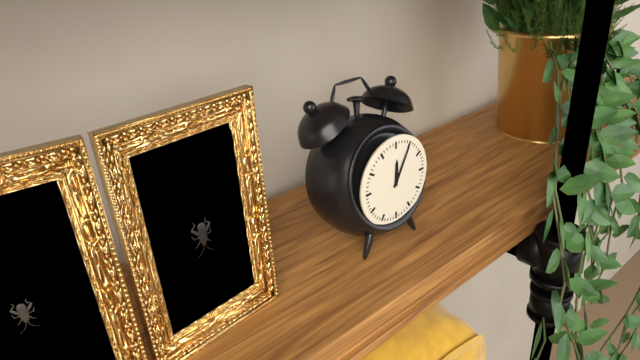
12 h 05 min
